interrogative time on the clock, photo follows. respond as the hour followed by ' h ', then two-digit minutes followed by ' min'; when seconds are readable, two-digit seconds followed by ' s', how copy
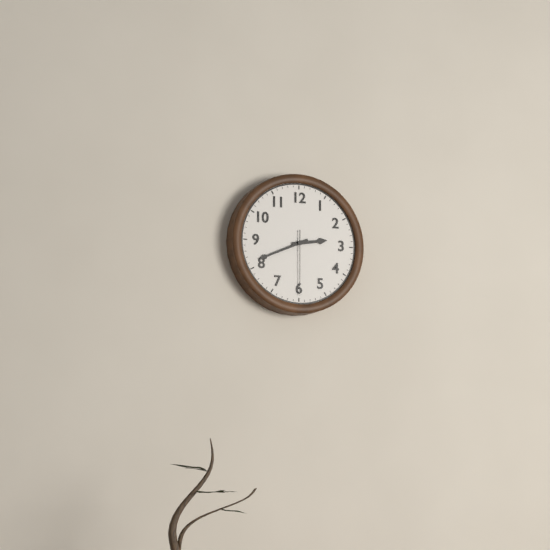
2 h 41 min 30 s
